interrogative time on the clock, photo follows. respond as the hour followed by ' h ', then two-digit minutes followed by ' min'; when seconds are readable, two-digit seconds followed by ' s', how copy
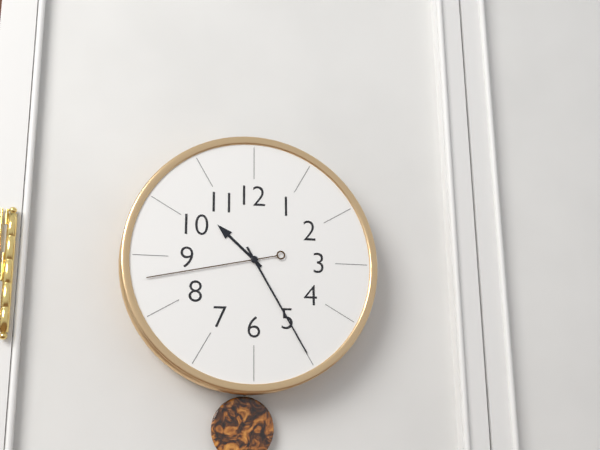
10 h 25 min 43 s
